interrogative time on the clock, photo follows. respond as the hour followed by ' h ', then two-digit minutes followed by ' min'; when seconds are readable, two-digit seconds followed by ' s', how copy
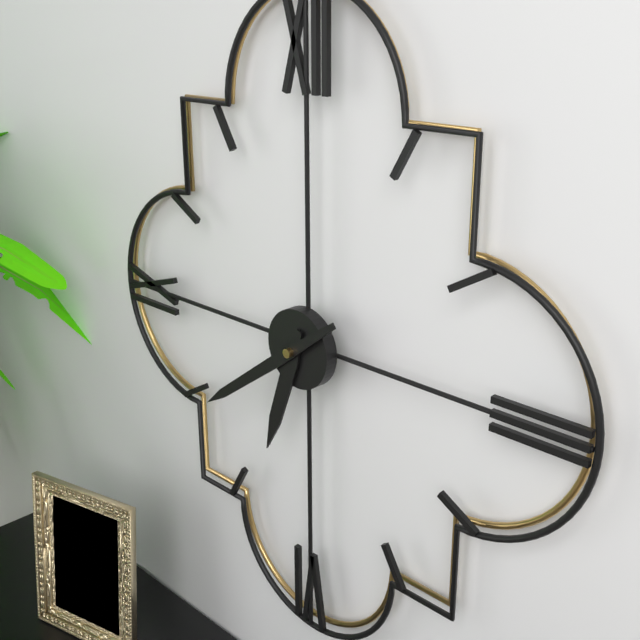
6 h 39 min
